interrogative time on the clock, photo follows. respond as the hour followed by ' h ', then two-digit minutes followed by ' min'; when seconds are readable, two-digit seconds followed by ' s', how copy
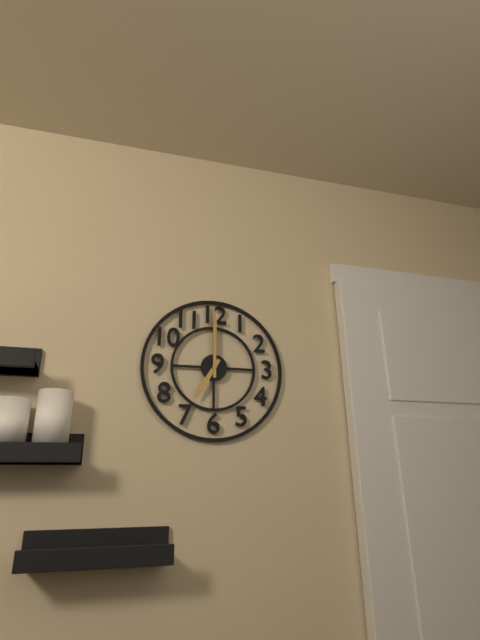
7 h 00 min
